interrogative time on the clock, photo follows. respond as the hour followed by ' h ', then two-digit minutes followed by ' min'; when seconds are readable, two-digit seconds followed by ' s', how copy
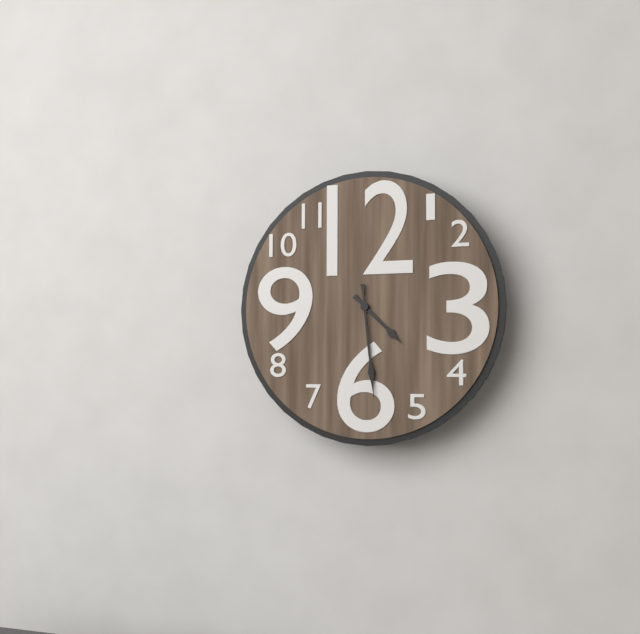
4 h 29 min
